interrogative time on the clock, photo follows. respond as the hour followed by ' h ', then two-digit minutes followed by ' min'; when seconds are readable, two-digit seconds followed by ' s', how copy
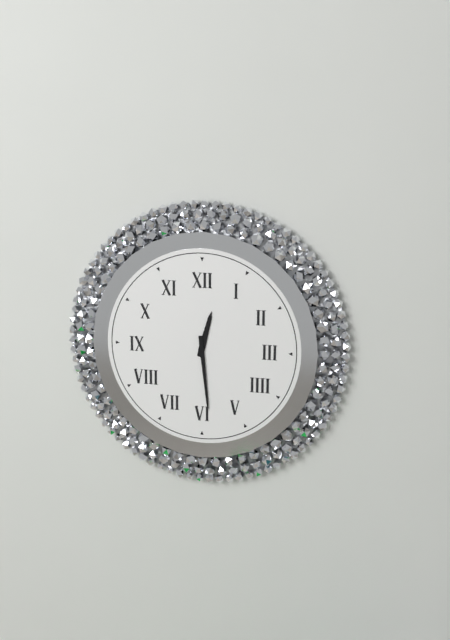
12 h 29 min
